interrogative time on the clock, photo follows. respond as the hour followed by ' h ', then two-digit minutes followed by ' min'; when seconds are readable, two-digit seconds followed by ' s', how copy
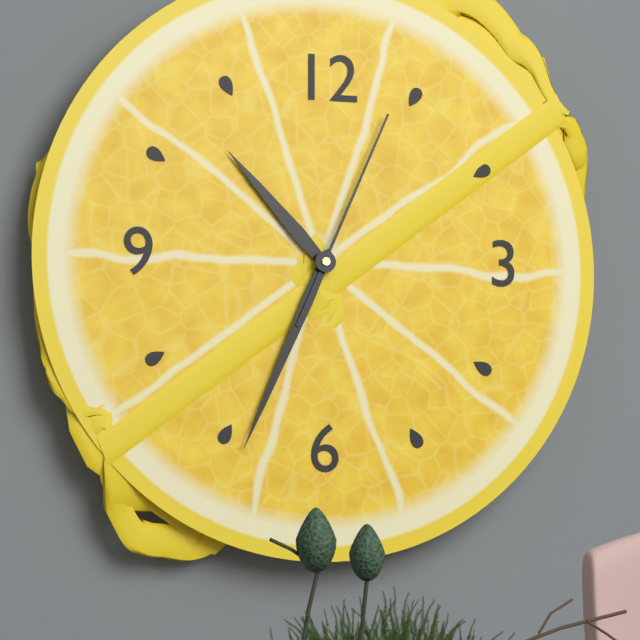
10 h 34 min 04 s
